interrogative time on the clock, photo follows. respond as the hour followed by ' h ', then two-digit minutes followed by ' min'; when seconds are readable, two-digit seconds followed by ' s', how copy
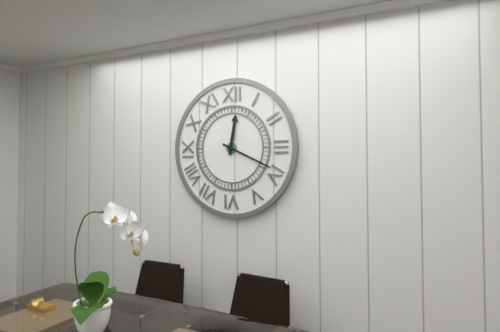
12 h 19 min
